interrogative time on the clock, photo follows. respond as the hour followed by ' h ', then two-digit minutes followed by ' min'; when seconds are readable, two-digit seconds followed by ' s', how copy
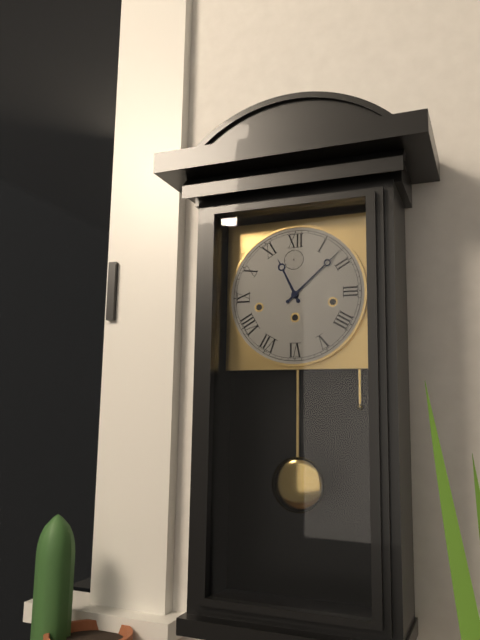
11 h 08 min
